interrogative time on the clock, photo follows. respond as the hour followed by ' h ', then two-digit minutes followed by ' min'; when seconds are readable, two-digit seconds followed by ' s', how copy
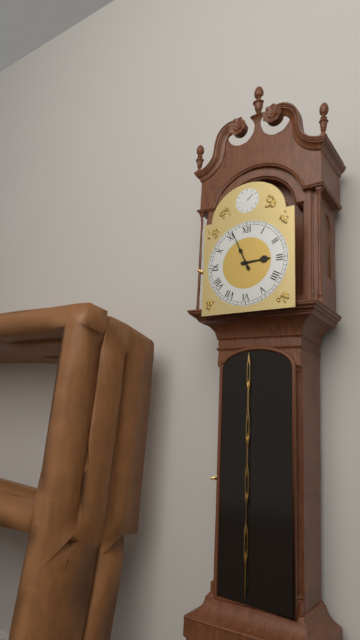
2 h 56 min
